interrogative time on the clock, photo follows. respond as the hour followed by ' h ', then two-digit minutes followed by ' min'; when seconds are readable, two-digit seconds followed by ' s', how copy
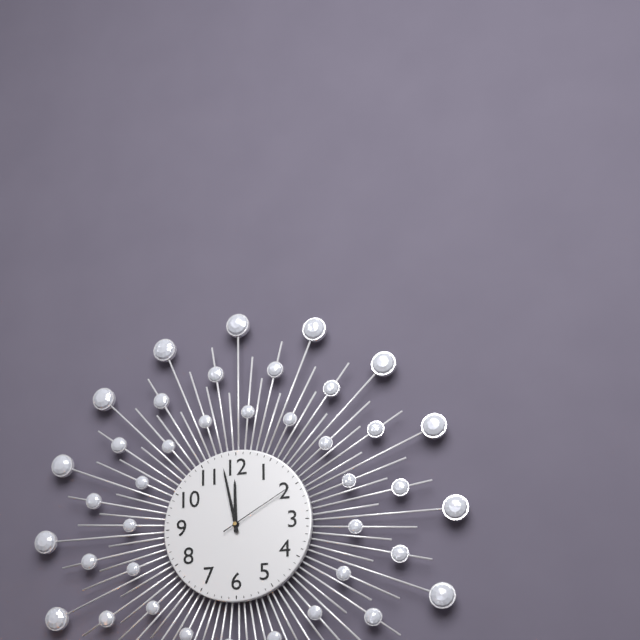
11 h 58 min 10 s
